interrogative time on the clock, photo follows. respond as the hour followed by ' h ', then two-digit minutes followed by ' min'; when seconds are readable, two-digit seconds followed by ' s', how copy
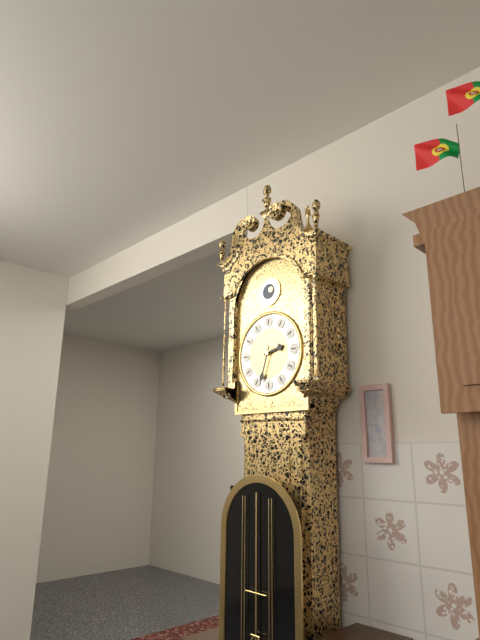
2 h 33 min
